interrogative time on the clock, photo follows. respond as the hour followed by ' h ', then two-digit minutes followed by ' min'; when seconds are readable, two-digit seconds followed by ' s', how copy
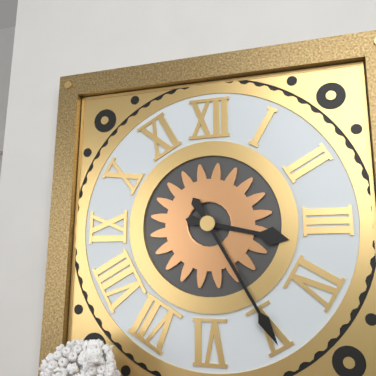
3 h 25 min
